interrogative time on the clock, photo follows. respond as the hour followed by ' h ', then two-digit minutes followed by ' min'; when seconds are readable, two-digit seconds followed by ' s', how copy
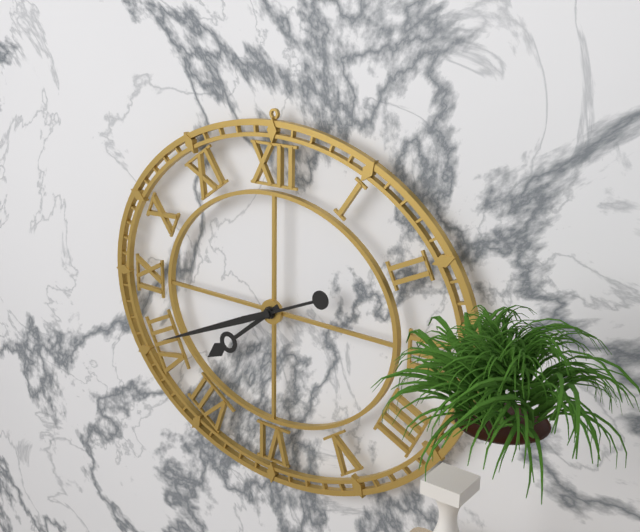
7 h 41 min
